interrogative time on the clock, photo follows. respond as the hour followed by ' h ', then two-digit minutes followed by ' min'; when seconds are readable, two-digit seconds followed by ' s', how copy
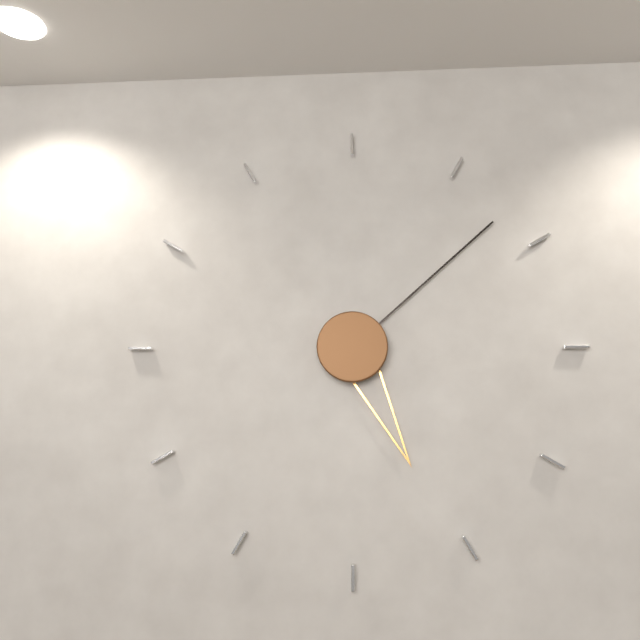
5 h 08 min
